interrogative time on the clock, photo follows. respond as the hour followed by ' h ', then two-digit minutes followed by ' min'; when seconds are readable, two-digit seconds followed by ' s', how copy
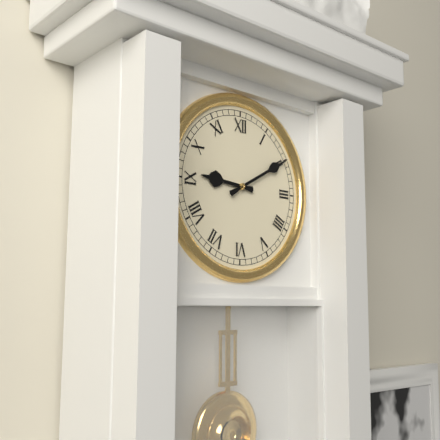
9 h 10 min
